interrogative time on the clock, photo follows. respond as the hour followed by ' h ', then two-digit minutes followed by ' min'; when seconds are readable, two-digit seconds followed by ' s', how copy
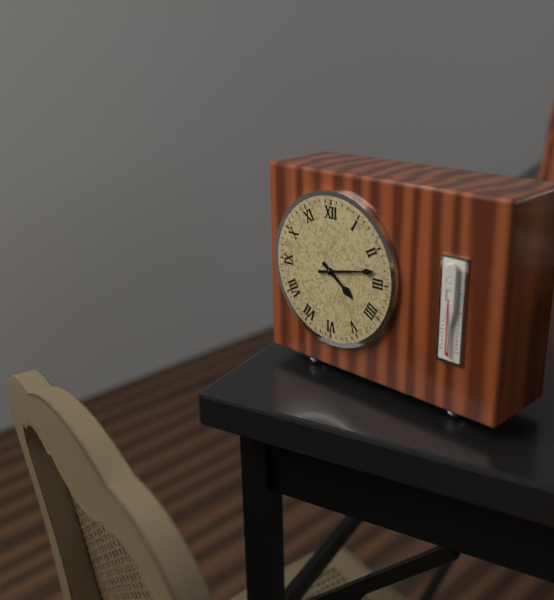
4 h 13 min
